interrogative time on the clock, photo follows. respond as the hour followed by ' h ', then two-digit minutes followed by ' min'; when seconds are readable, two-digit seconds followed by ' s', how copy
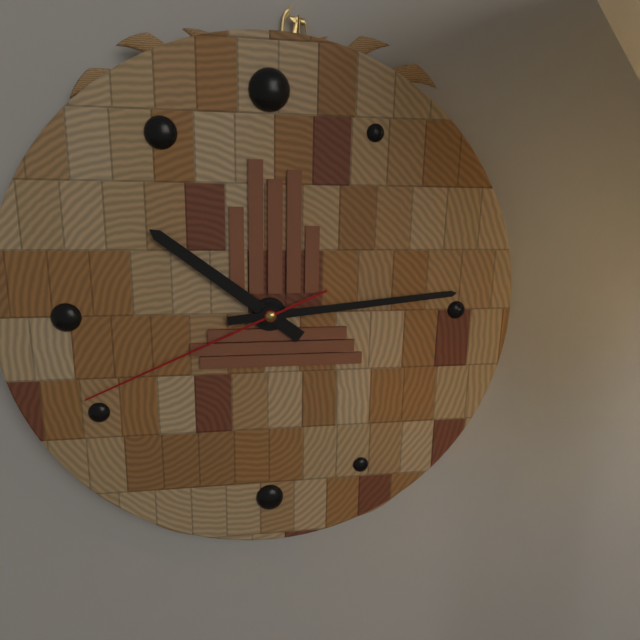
10 h 14 min 41 s
